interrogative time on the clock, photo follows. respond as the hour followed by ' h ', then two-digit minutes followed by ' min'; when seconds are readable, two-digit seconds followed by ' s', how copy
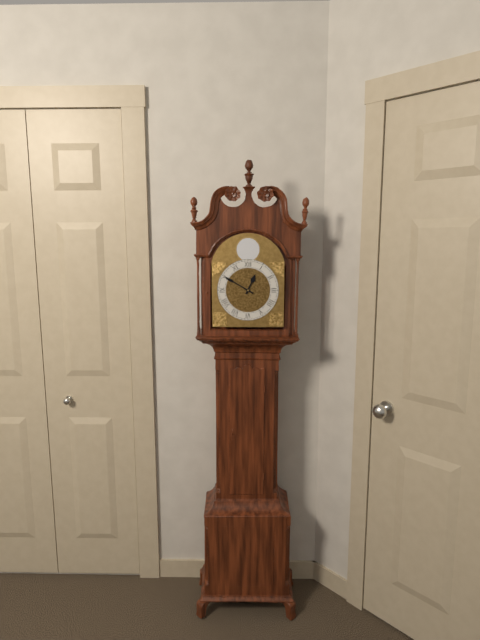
12 h 50 min
